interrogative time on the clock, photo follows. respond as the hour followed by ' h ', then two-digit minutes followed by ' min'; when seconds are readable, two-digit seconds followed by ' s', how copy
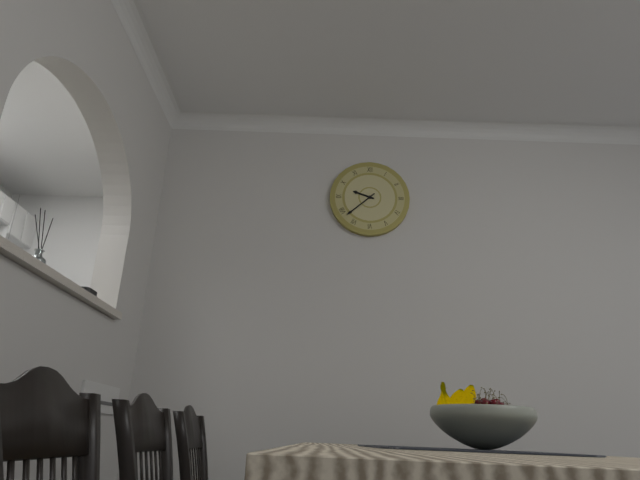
9 h 38 min
